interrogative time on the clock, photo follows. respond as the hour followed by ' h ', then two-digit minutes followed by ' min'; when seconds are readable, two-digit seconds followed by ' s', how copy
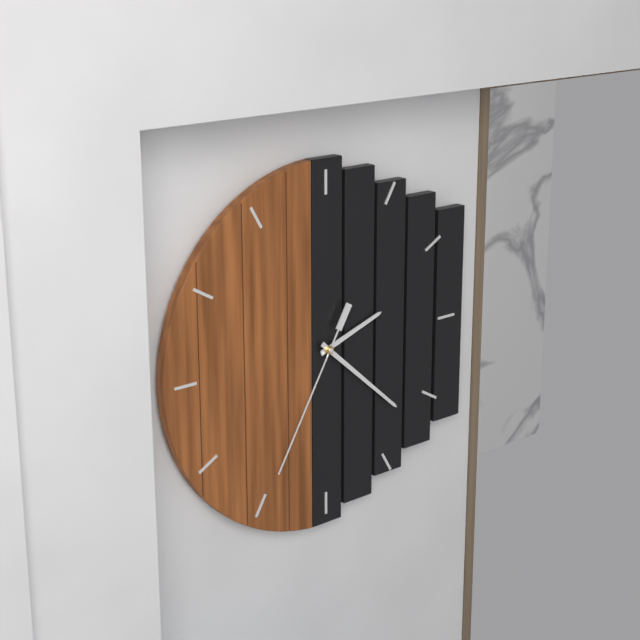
2 h 22 min 35 s
